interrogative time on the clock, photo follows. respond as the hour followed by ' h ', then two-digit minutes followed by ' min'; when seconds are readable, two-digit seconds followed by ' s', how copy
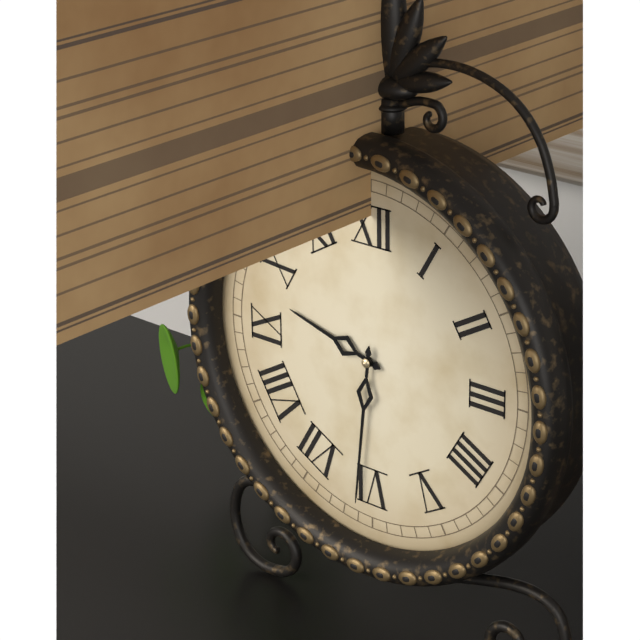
9 h 31 min
